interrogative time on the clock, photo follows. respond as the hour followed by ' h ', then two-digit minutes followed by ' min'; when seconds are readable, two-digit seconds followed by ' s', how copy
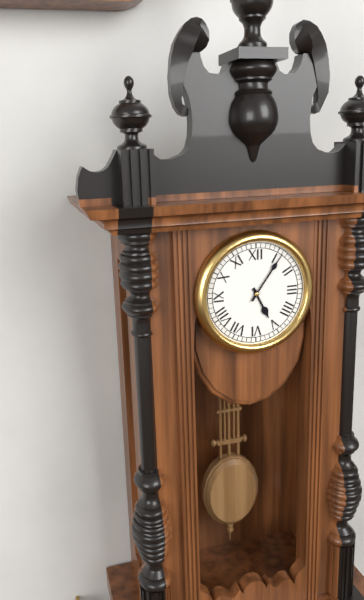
5 h 06 min
